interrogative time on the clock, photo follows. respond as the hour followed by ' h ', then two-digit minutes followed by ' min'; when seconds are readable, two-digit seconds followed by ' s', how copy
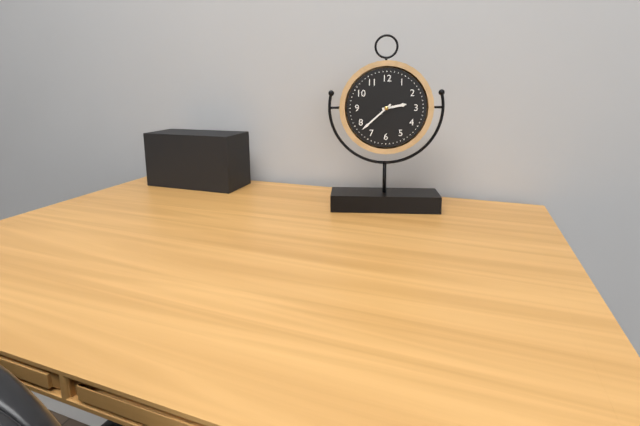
2 h 38 min
